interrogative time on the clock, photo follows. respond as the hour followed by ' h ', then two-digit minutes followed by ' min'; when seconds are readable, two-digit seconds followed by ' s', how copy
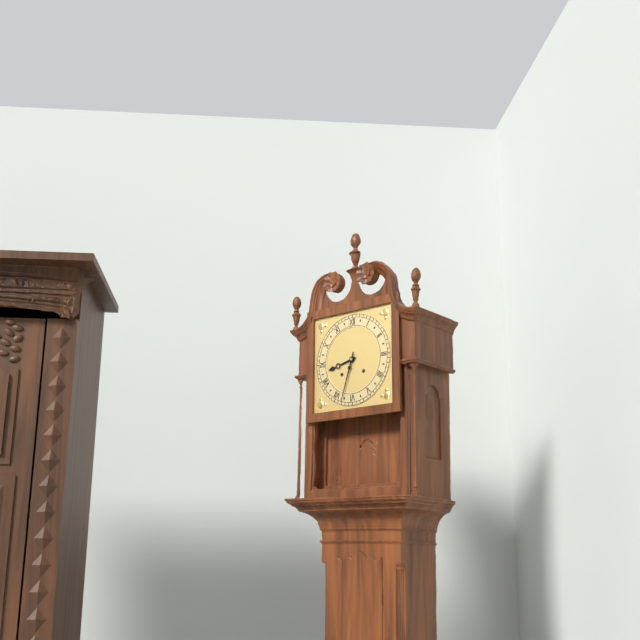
8 h 33 min
